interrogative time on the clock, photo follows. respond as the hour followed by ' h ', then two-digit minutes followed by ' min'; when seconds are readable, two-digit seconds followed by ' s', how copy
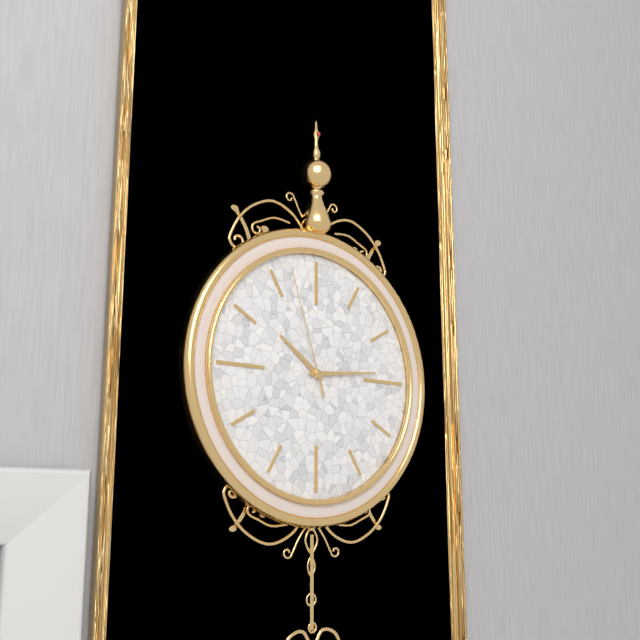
10 h 14 min 57 s
